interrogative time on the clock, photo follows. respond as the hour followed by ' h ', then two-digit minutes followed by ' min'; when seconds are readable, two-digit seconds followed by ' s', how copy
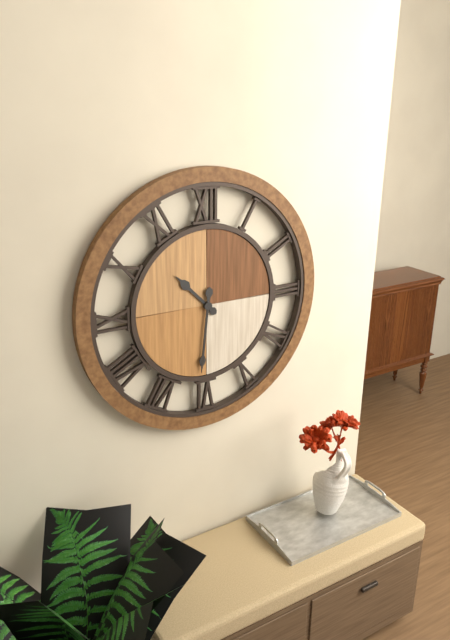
10 h 31 min
